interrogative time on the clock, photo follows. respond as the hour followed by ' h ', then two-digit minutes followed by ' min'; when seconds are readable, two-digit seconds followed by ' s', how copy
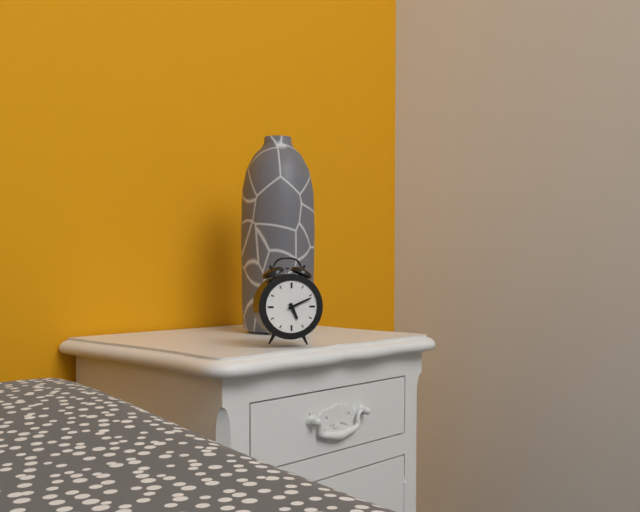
5 h 11 min
